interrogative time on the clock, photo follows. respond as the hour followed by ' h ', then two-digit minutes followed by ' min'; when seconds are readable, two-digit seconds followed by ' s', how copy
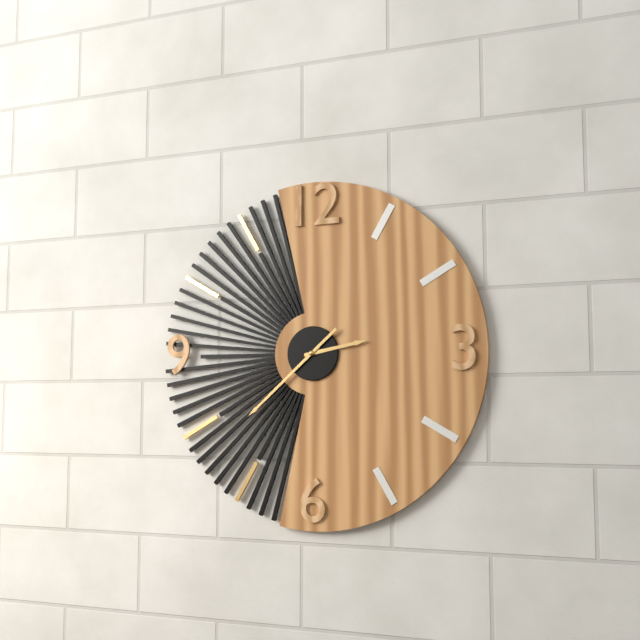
2 h 38 min
